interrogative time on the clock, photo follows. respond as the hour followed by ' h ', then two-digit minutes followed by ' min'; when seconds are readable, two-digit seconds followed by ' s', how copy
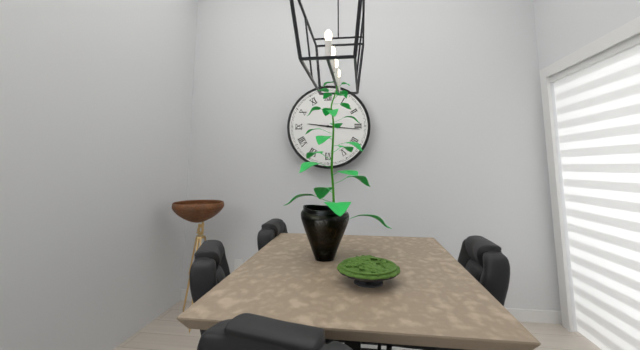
9 h 16 min
